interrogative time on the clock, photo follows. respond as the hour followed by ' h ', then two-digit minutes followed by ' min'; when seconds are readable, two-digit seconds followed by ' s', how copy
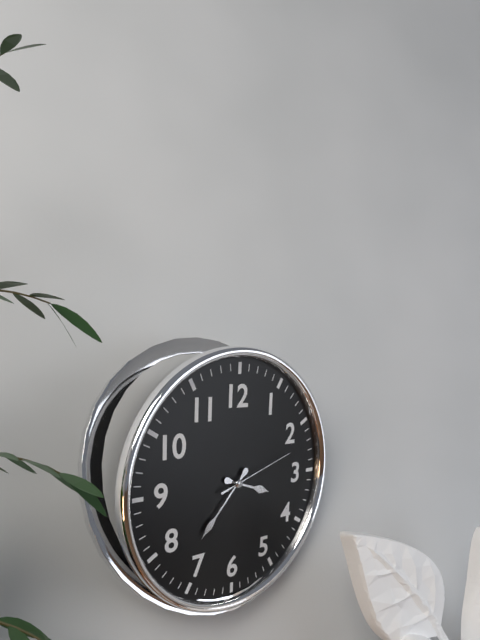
3 h 37 min 12 s
